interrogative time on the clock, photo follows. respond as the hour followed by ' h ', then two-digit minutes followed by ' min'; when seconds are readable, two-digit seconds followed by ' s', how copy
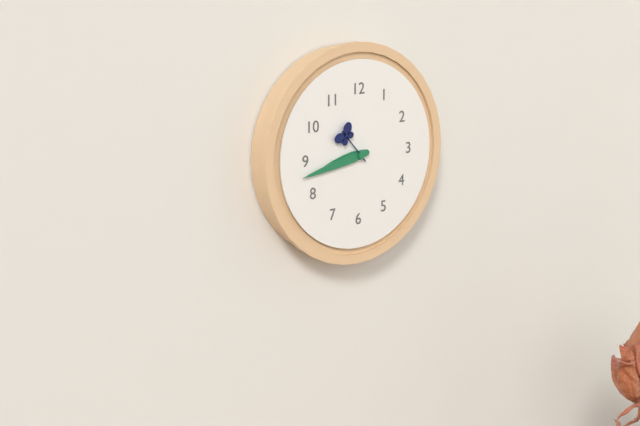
8 h 43 min
